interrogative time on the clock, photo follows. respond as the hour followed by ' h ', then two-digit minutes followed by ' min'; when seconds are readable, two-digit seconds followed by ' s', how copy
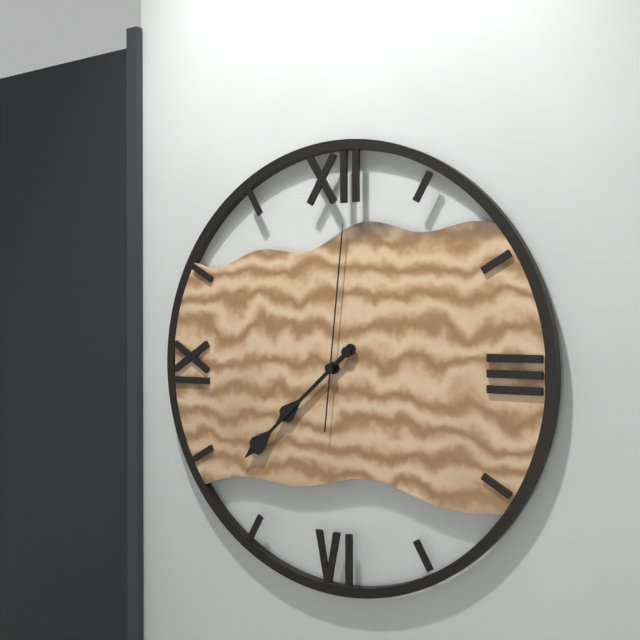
7 h 38 min 01 s
